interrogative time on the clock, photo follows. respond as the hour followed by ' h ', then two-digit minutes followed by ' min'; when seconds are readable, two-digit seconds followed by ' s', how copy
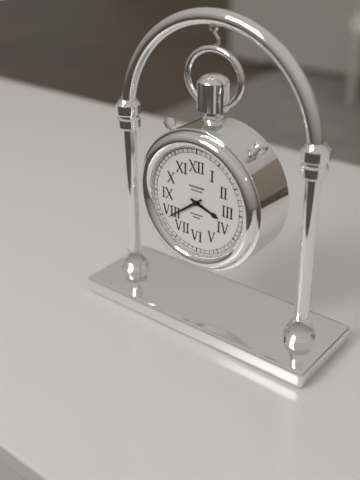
3 h 39 min
